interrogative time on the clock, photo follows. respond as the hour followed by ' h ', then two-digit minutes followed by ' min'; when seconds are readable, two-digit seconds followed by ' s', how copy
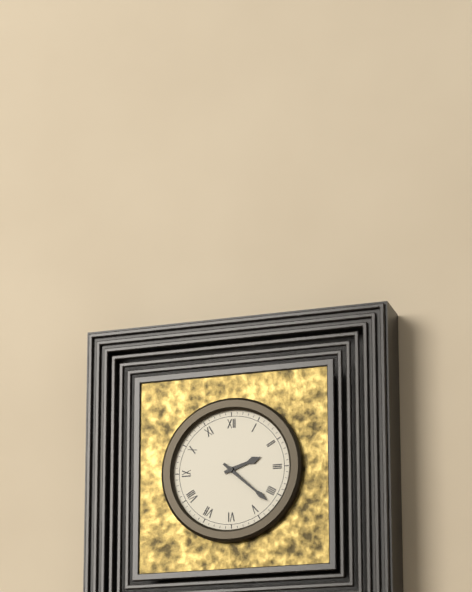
2 h 22 min
